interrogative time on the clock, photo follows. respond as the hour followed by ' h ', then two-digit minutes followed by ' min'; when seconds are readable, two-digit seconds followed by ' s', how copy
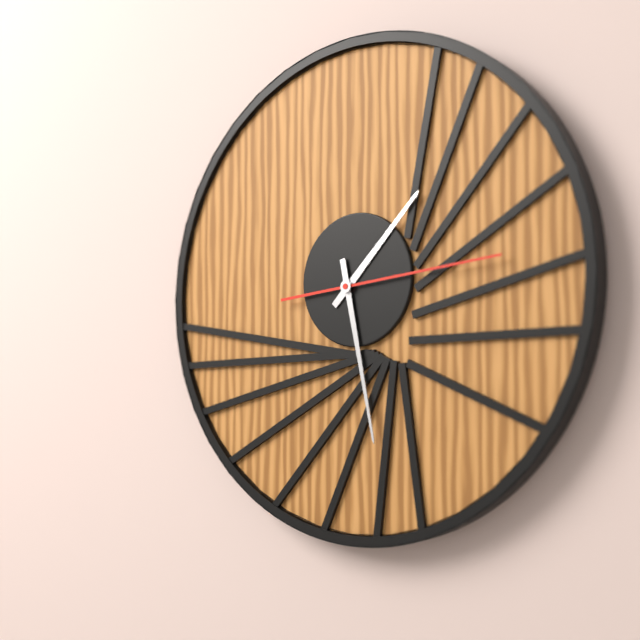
1 h 28 min 14 s
